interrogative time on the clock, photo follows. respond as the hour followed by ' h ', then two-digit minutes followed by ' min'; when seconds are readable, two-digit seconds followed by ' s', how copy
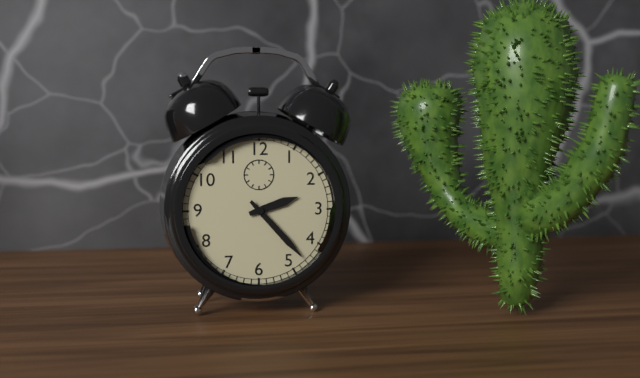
2 h 23 min
